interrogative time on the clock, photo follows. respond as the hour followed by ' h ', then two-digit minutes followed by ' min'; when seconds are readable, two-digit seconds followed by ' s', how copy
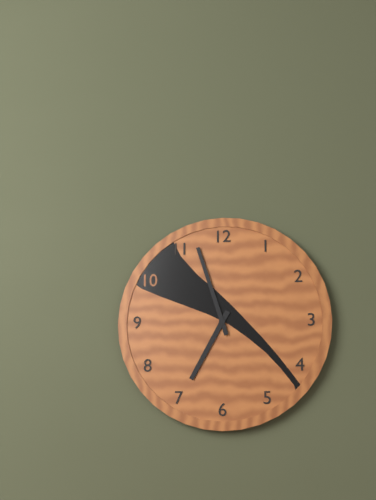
6 h 57 min
